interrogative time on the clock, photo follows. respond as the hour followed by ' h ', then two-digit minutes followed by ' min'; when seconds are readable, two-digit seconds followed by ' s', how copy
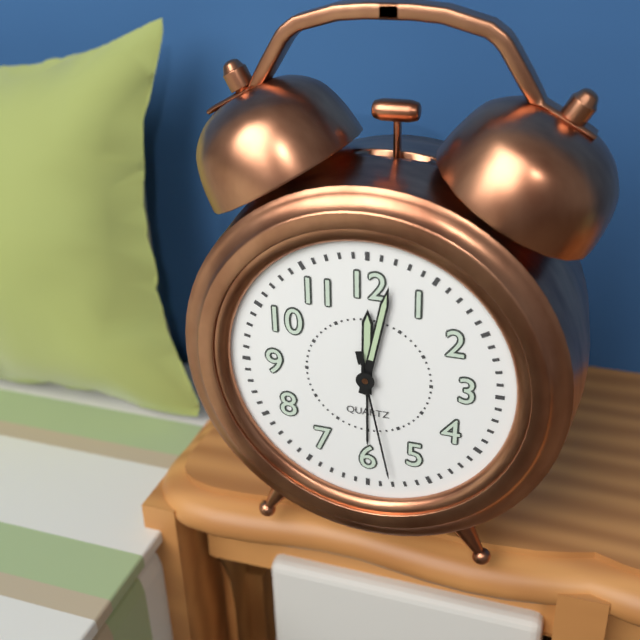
12 h 02 min 28 s
